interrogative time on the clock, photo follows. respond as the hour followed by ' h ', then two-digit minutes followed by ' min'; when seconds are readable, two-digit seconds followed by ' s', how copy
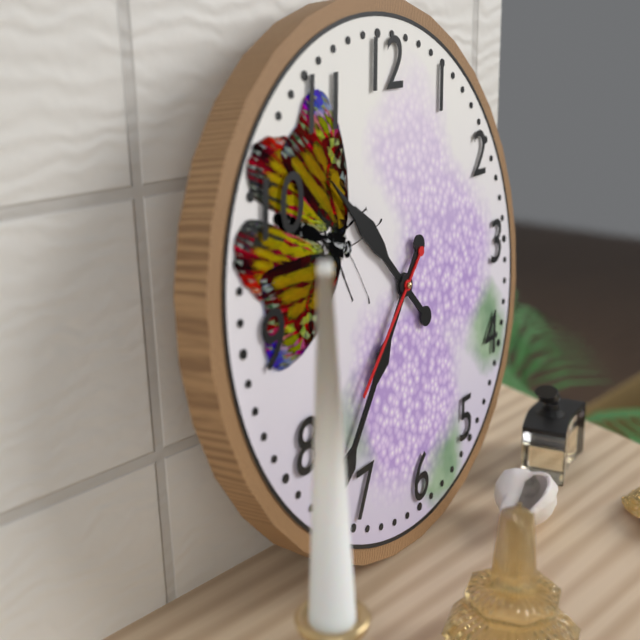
10 h 37 min 38 s
